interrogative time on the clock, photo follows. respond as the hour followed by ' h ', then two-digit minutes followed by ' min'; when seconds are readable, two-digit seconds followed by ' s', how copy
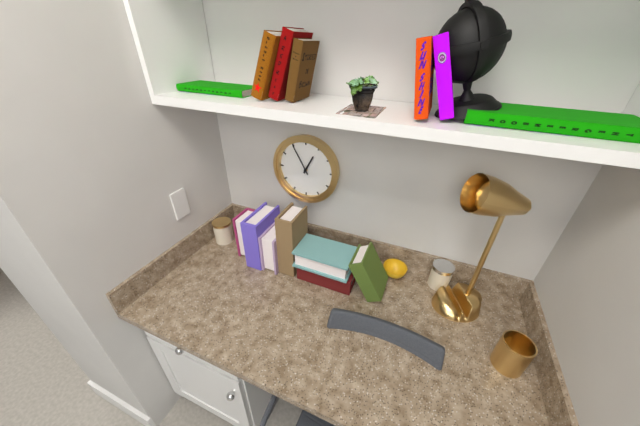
12 h 55 min
